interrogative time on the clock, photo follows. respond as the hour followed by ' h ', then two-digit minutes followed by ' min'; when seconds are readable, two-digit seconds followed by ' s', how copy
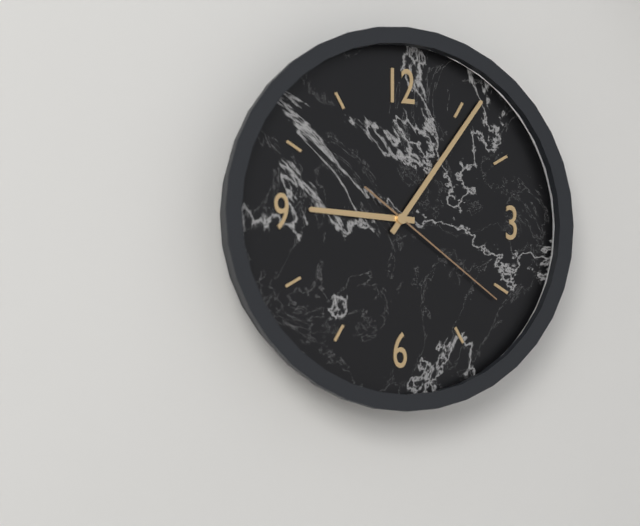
9 h 06 min 21 s
